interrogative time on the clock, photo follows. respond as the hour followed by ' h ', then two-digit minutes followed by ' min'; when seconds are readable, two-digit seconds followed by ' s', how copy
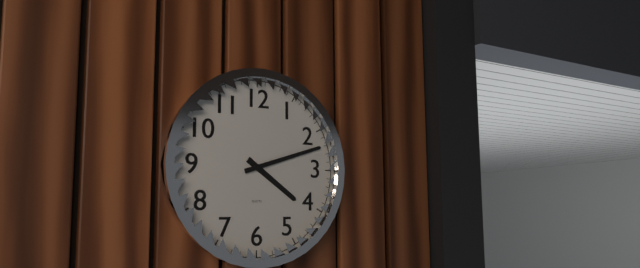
4 h 12 min
